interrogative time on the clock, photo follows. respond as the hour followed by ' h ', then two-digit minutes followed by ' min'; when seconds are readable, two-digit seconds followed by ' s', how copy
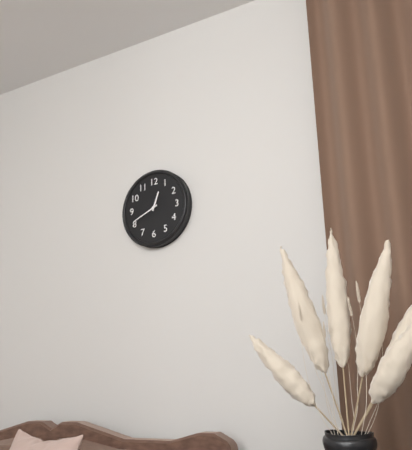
12 h 41 min
